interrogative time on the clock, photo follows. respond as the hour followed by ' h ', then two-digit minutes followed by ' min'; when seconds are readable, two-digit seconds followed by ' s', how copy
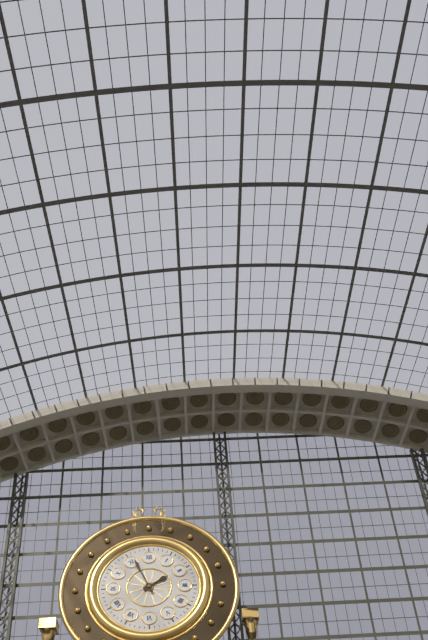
1 h 56 min
